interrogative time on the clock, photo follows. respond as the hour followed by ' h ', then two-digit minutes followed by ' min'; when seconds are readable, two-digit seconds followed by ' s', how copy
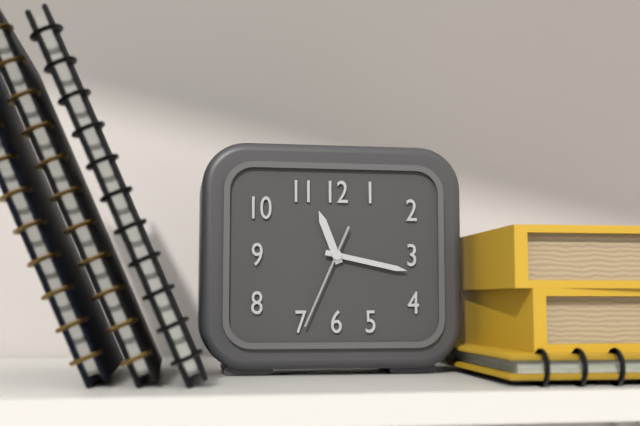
11 h 17 min 34 s
